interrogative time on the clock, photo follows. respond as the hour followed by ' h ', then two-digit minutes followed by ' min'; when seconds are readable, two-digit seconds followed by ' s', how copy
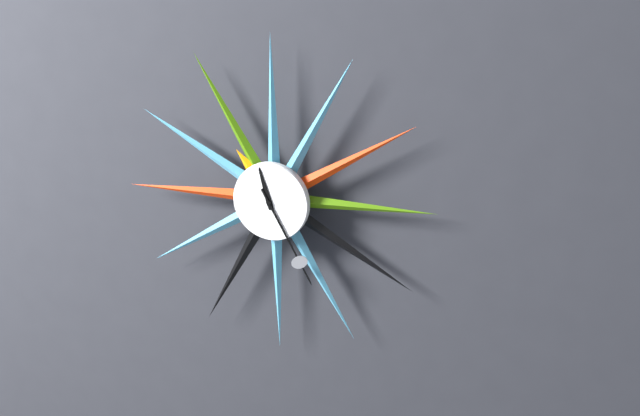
11 h 25 min
